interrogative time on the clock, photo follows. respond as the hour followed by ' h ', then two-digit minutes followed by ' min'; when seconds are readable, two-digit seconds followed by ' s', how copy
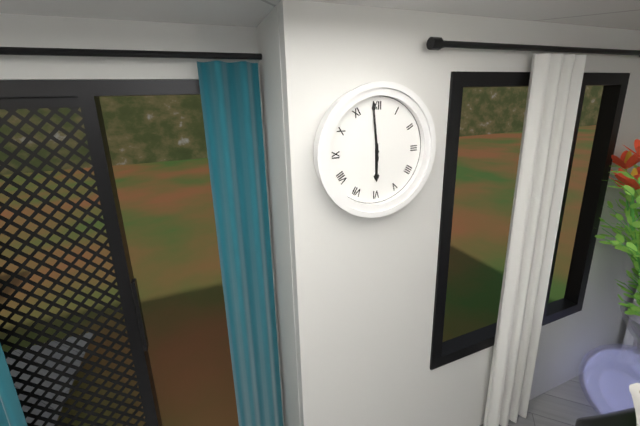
5 h 59 min
